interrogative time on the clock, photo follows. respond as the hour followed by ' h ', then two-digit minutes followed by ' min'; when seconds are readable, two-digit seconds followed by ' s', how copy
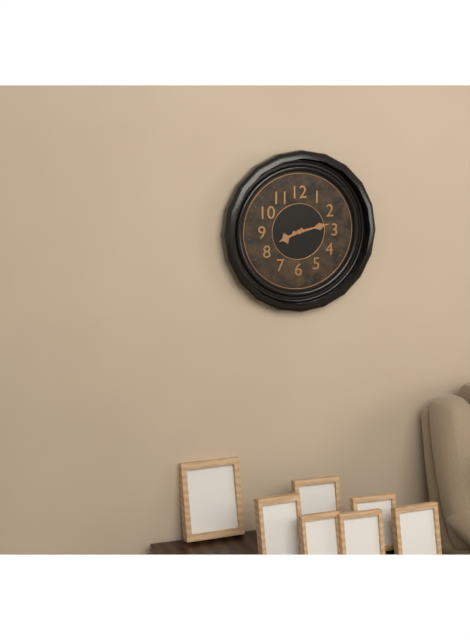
8 h 13 min
